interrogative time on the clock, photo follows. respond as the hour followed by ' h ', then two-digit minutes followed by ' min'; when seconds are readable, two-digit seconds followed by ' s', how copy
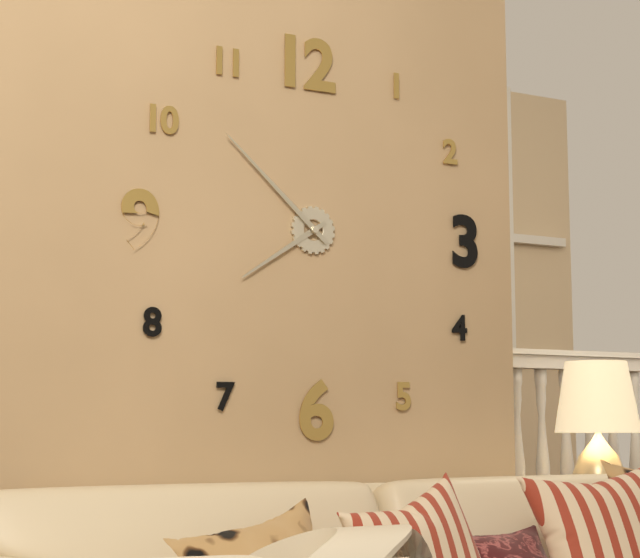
7 h 52 min
